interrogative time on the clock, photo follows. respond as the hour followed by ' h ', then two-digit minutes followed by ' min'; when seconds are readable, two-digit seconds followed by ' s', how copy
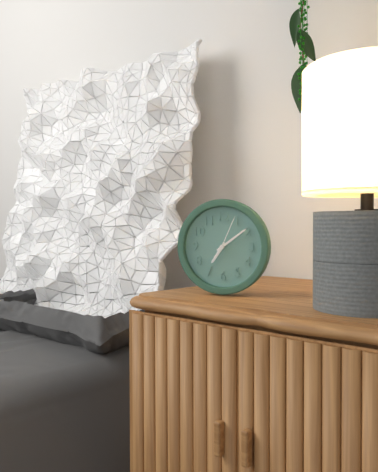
7 h 09 min
